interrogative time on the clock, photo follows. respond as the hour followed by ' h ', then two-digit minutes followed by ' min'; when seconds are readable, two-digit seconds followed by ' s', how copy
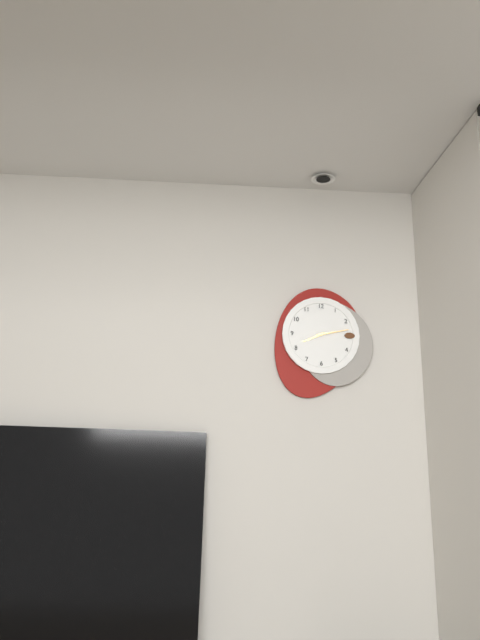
8 h 13 min
